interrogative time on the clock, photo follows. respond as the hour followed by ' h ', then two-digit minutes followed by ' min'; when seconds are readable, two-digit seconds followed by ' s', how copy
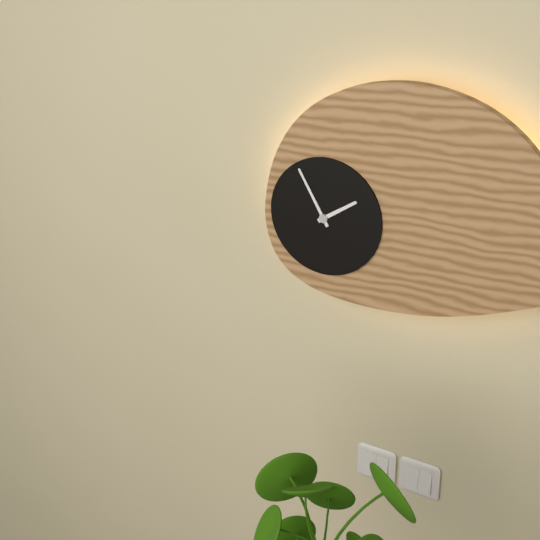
1 h 55 min
